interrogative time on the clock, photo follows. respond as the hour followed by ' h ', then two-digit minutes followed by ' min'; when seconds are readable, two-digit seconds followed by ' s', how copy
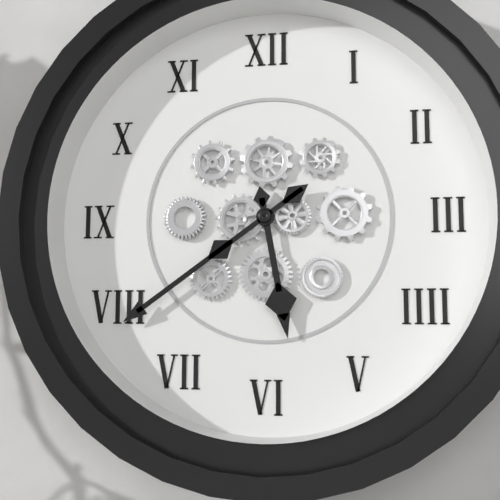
5 h 39 min
